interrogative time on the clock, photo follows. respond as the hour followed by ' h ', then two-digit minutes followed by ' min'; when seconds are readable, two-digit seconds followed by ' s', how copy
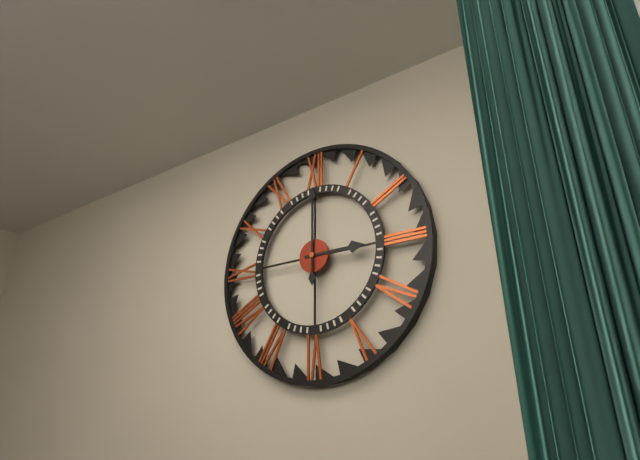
3 h 00 min
